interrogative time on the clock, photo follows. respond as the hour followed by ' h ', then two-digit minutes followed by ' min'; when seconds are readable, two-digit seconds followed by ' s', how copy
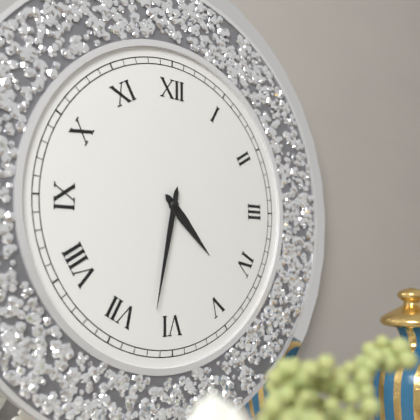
4 h 32 min
